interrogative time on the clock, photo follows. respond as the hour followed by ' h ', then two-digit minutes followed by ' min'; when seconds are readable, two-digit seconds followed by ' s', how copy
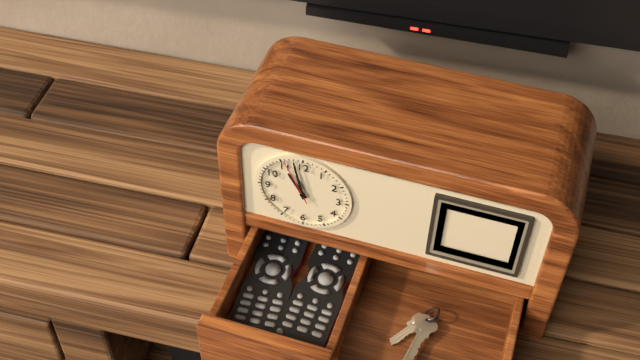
10 h 58 min
